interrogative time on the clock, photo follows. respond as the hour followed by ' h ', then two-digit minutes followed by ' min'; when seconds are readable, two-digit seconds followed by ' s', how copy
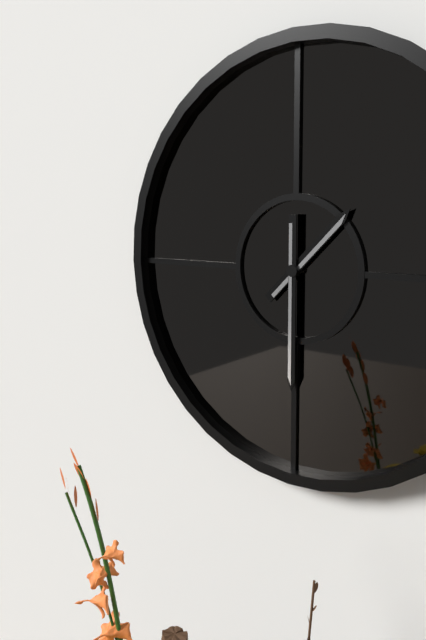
1 h 30 min
